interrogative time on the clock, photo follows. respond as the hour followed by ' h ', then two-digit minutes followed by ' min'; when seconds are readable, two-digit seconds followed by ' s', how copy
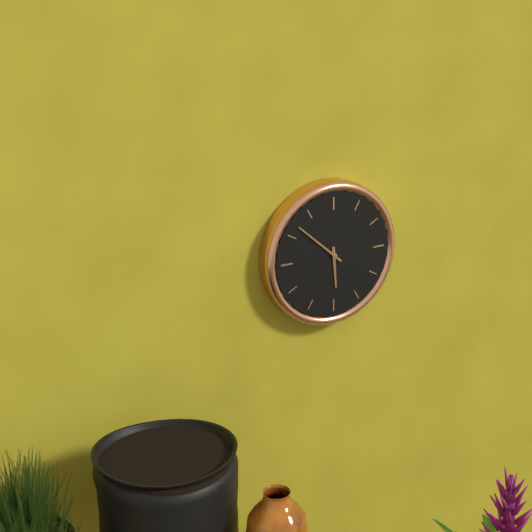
5 h 52 min
